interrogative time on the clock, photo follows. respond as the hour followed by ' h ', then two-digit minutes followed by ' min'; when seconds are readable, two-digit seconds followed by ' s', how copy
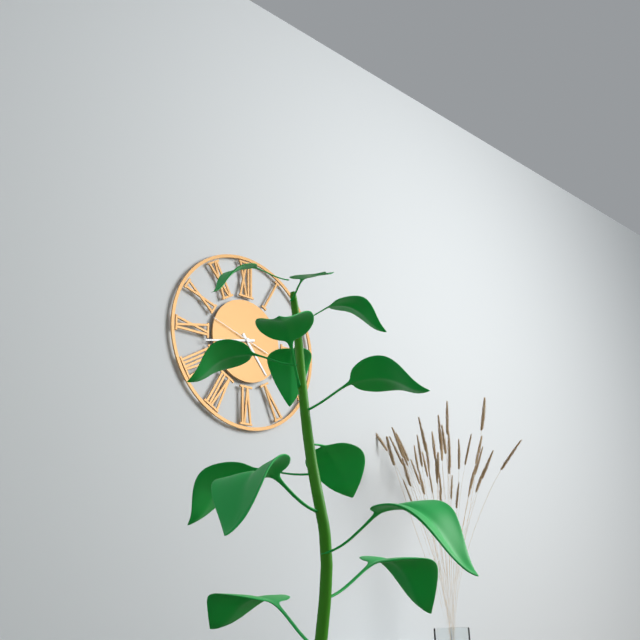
4 h 43 min 48 s
